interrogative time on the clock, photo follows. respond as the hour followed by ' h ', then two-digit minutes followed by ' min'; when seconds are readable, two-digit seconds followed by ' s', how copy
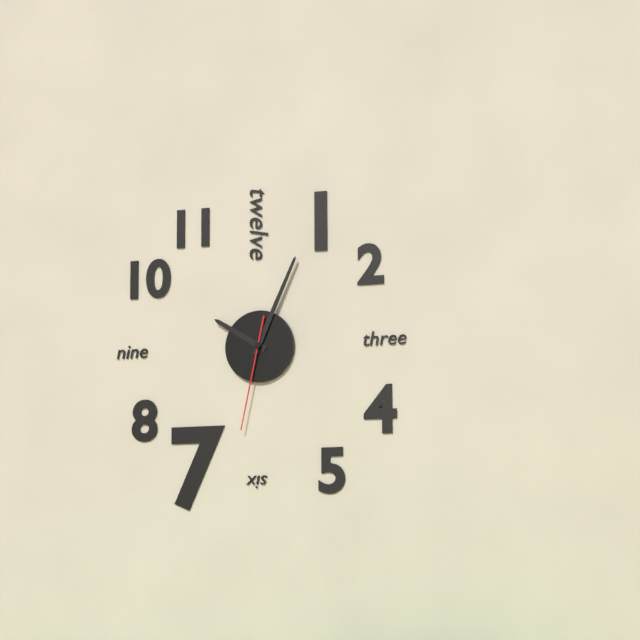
10 h 04 min 32 s
